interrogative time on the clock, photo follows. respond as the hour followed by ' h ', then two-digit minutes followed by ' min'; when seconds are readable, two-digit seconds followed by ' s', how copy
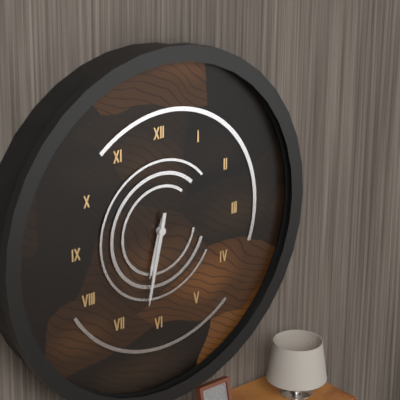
6 h 32 min
